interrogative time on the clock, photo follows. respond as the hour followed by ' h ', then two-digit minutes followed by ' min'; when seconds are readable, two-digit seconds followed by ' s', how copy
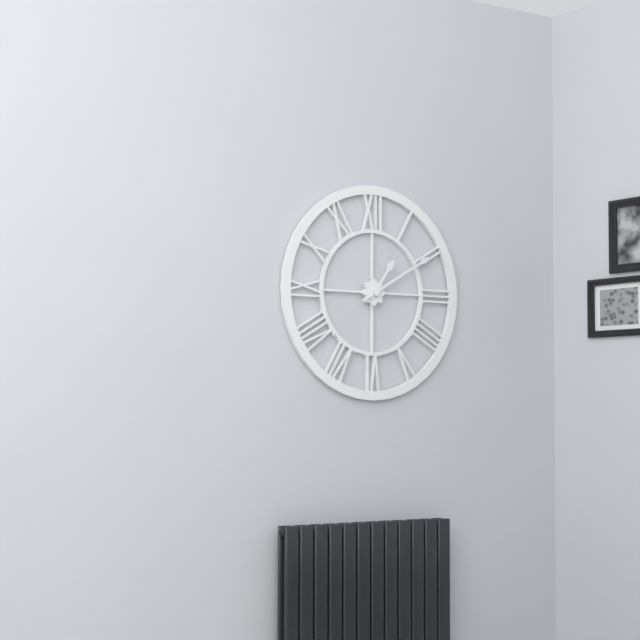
1 h 10 min
